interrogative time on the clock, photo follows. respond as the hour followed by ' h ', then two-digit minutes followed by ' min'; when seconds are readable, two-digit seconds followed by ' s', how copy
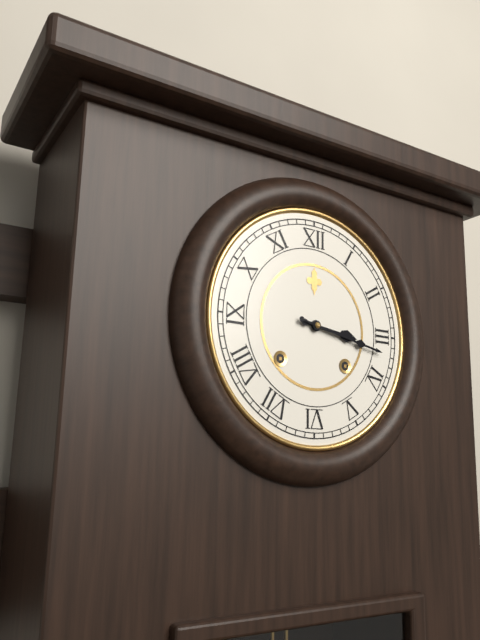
3 h 17 min
